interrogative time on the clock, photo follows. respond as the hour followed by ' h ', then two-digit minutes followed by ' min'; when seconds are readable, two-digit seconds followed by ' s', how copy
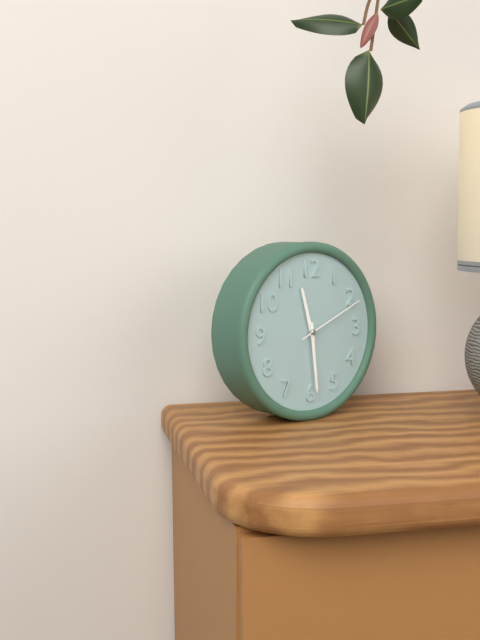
11 h 29 min 11 s
